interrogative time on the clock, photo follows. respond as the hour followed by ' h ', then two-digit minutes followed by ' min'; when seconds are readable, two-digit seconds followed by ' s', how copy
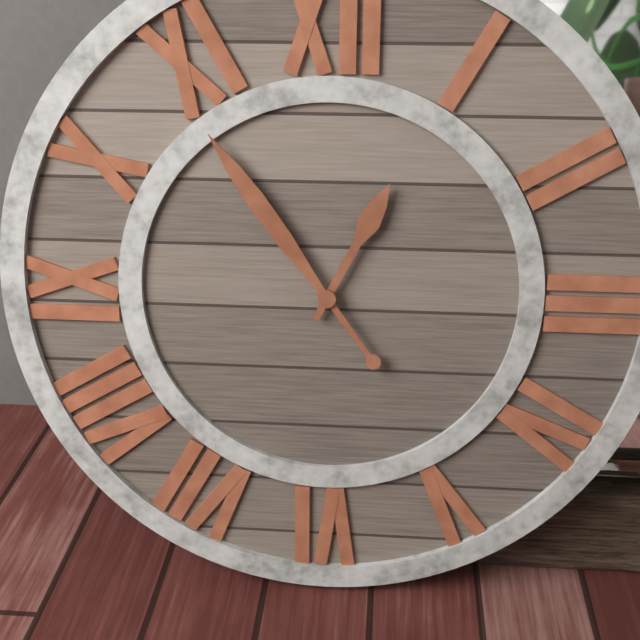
12 h 54 min
